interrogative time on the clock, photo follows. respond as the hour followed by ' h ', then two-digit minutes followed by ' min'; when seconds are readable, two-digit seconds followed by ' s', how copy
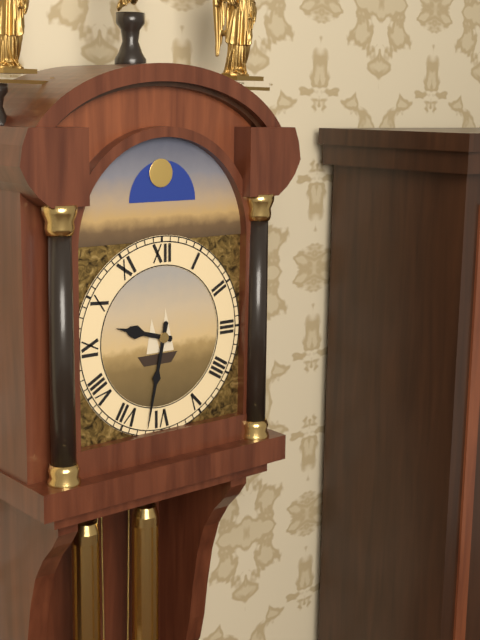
9 h 32 min
